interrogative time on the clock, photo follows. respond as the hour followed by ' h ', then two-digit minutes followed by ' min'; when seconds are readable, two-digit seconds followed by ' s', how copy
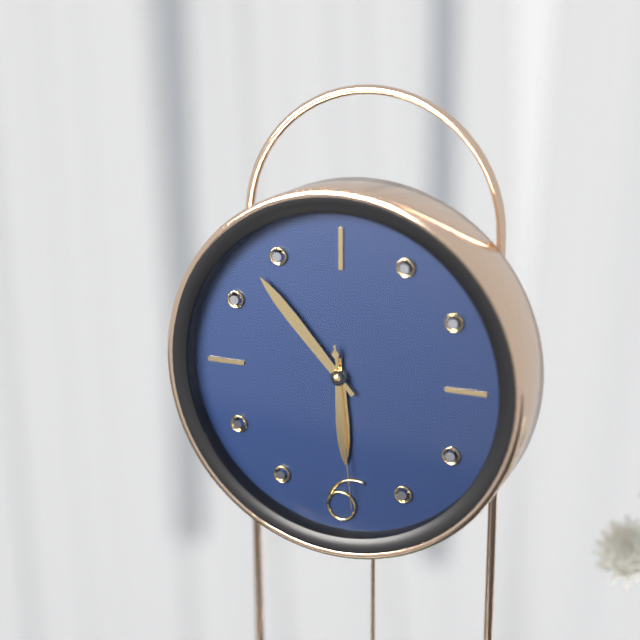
5 h 53 min 29 s
